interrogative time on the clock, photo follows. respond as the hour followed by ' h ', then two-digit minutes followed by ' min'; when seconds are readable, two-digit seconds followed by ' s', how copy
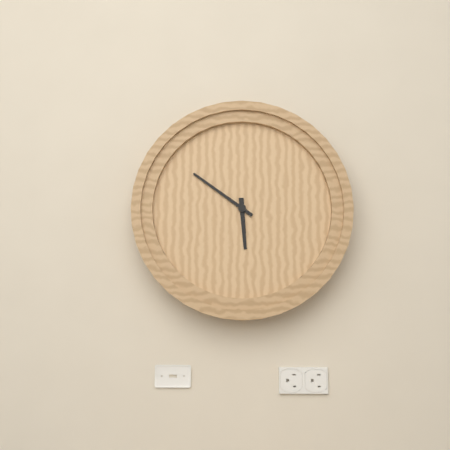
5 h 51 min
